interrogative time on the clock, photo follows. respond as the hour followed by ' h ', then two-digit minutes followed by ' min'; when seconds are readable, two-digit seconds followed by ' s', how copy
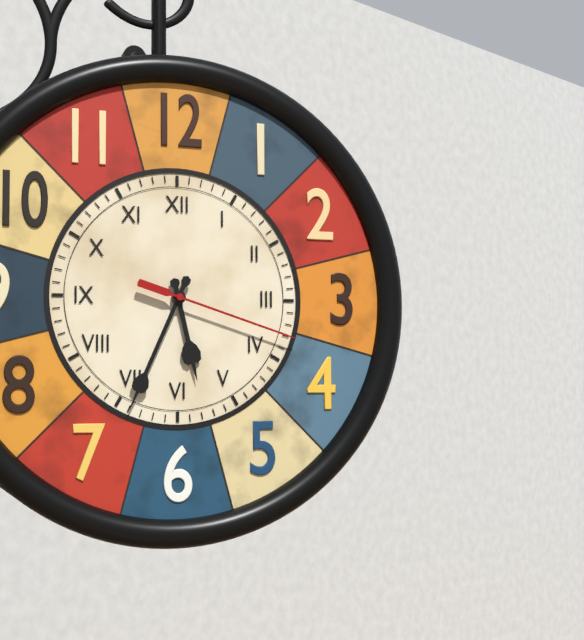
5 h 34 min 18 s
